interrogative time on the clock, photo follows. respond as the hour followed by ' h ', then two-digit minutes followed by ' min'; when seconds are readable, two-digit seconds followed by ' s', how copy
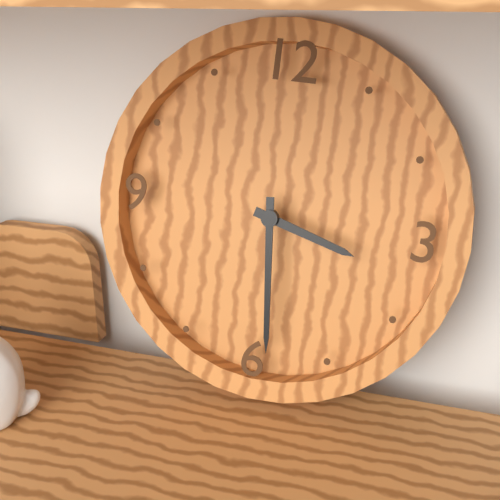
3 h 29 min
